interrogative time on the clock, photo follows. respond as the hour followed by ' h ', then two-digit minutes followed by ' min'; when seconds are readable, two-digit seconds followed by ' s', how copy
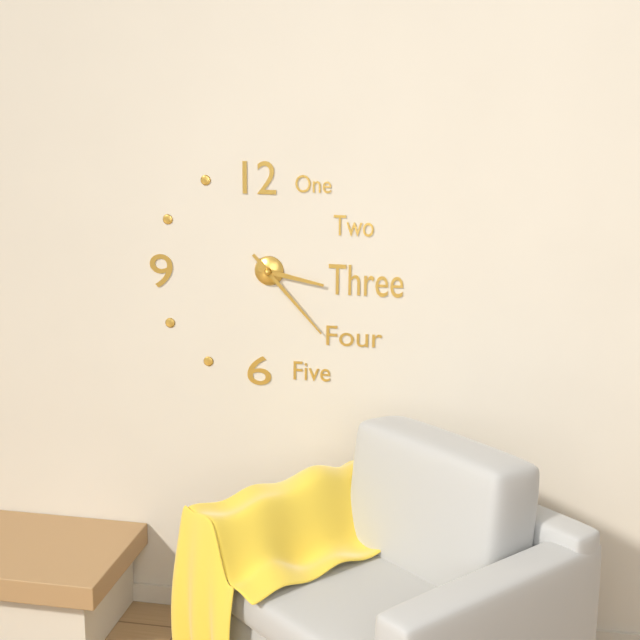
3 h 23 min
